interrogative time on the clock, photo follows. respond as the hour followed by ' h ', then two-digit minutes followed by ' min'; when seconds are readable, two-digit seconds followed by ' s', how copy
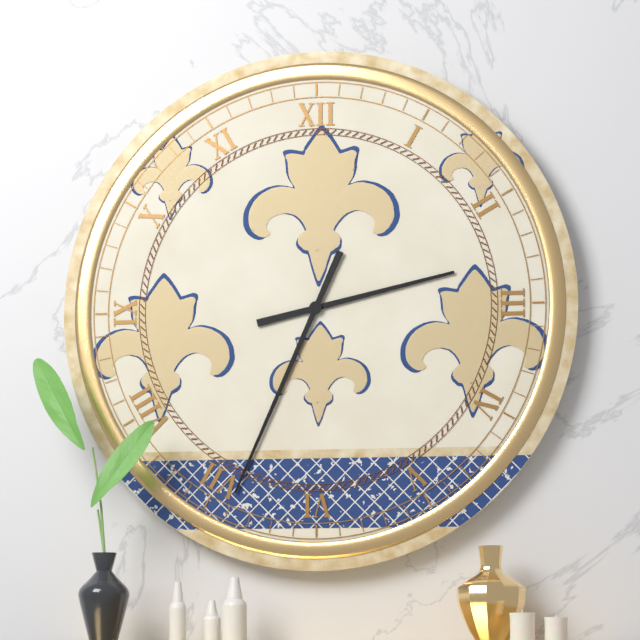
2 h 34 min
